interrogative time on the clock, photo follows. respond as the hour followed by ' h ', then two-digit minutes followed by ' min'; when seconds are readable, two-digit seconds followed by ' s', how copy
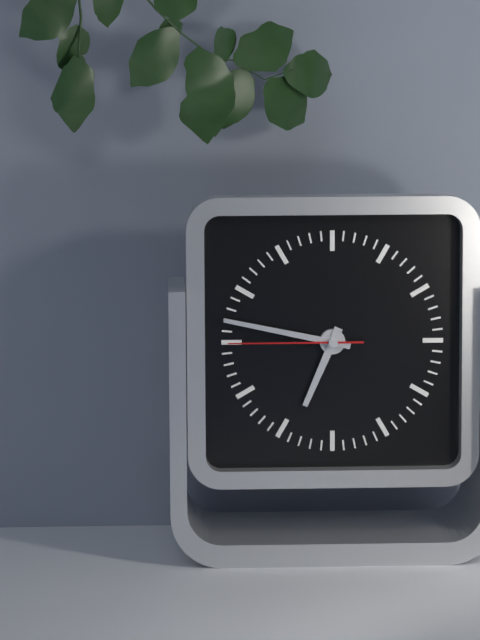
6 h 47 min 45 s
